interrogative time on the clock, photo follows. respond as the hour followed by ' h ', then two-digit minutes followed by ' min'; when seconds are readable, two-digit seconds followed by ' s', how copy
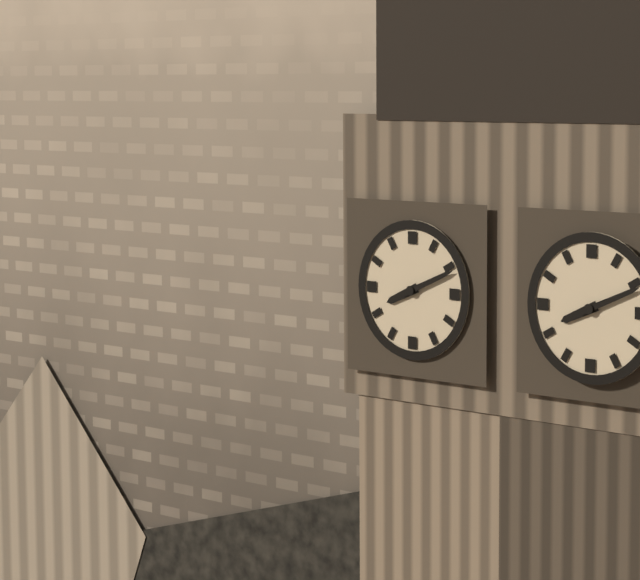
8 h 11 min
